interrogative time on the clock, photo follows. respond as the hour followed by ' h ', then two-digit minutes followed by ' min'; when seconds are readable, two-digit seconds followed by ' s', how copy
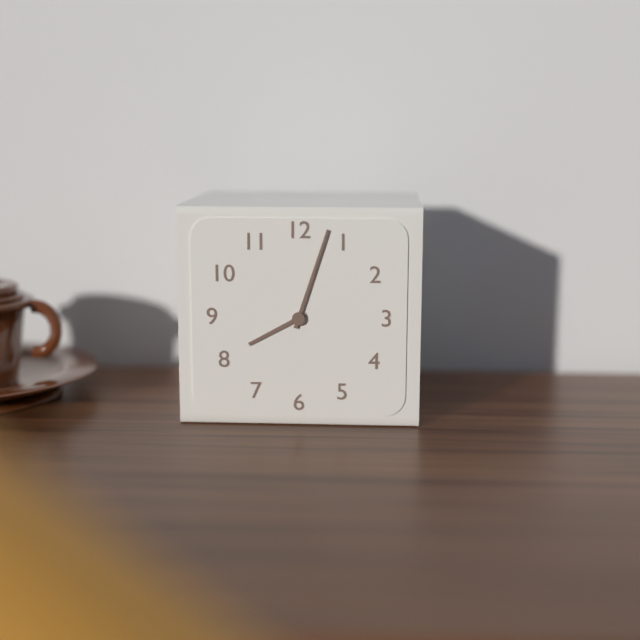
8 h 03 min
